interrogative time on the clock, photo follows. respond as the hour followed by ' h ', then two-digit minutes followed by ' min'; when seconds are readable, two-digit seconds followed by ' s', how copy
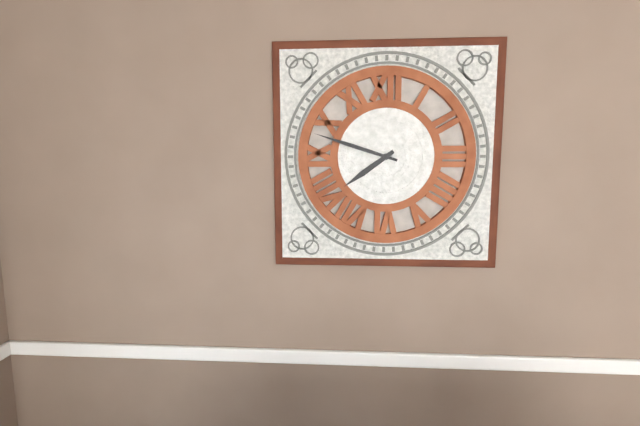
7 h 48 min
